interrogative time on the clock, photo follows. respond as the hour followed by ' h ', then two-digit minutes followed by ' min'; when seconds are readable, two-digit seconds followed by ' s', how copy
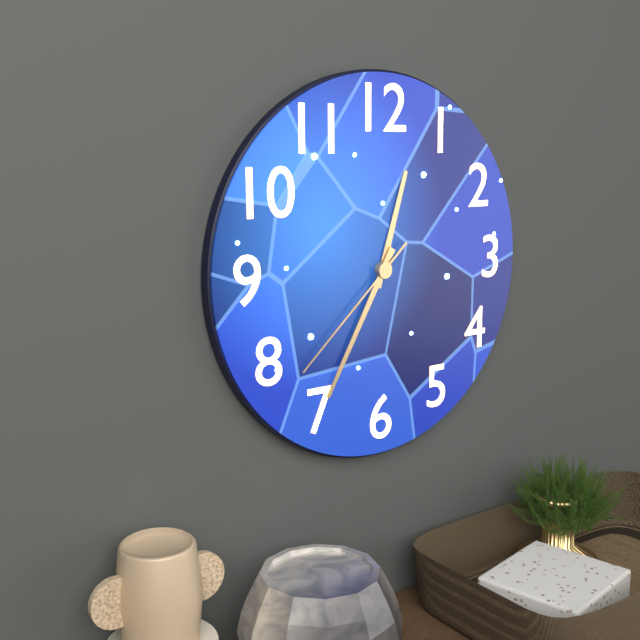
12 h 35 min 38 s
